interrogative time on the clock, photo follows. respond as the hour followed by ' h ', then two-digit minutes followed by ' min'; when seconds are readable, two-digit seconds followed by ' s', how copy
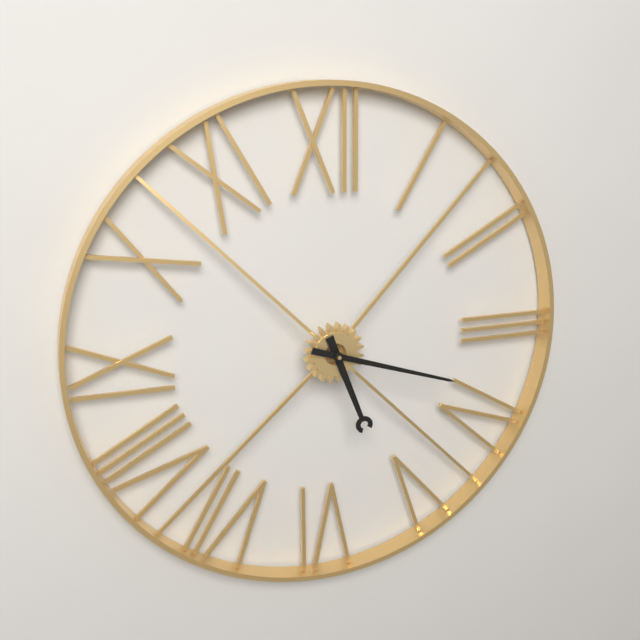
5 h 18 min
